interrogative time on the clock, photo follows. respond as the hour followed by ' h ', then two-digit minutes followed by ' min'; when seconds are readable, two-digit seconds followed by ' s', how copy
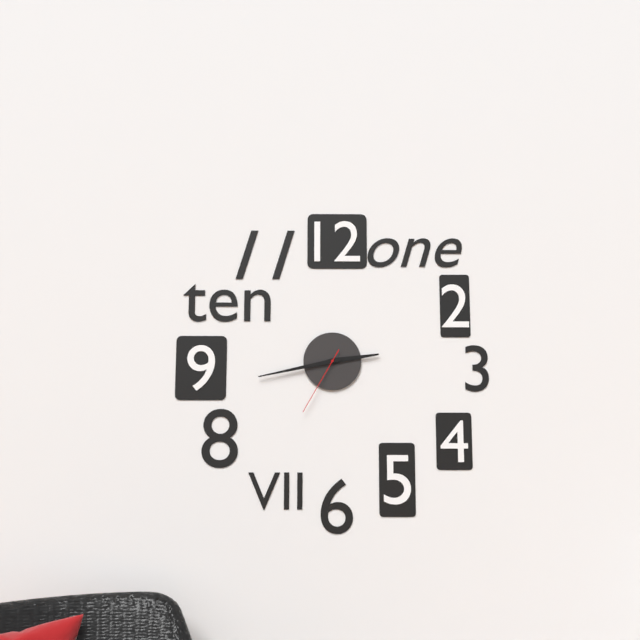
2 h 43 min 35 s
